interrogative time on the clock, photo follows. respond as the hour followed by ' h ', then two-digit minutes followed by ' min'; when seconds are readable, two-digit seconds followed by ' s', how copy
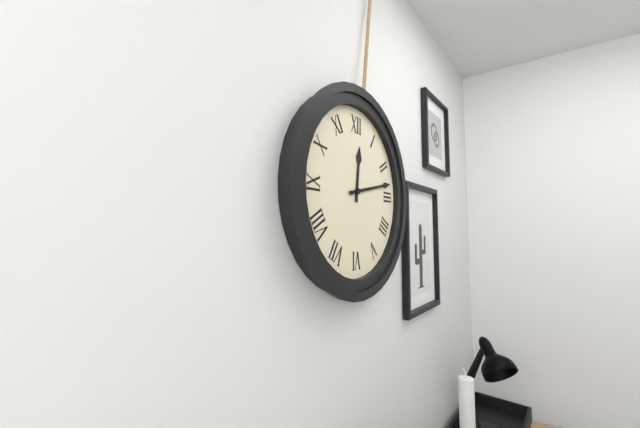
12 h 13 min
